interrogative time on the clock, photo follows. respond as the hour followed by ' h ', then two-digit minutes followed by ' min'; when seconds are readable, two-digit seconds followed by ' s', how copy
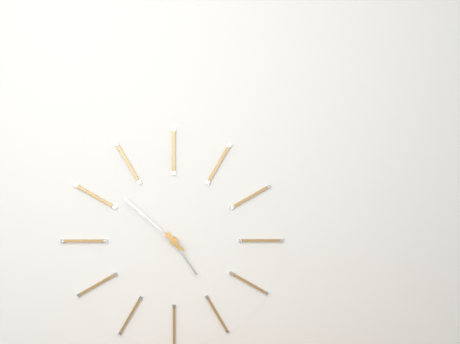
4 h 52 min
